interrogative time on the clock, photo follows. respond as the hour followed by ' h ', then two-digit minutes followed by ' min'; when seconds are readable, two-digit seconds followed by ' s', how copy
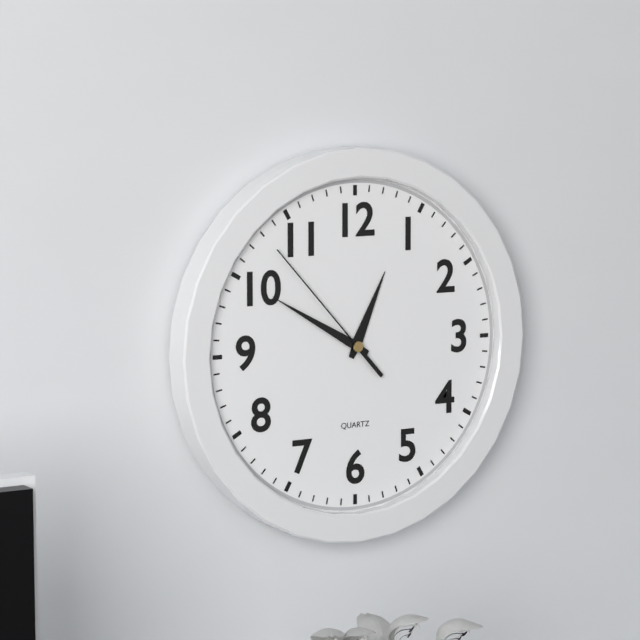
12 h 50 min 53 s
